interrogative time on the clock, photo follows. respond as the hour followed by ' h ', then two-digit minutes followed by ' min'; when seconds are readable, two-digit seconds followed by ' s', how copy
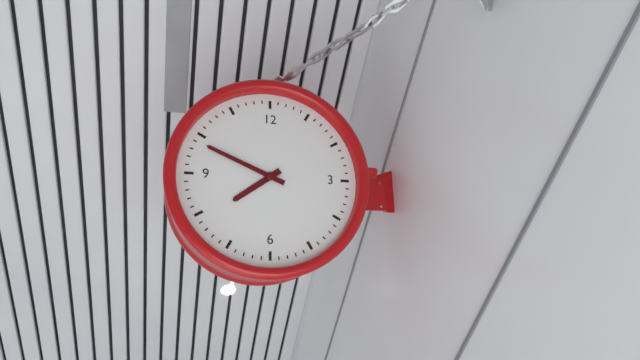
7 h 49 min
